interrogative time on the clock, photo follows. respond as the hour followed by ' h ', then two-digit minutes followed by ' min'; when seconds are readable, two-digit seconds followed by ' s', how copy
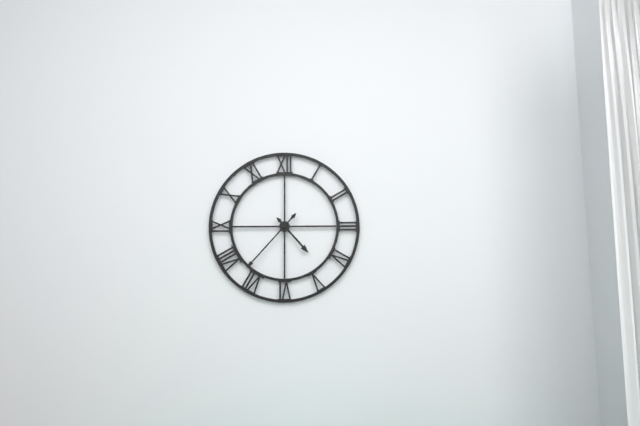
4 h 37 min
